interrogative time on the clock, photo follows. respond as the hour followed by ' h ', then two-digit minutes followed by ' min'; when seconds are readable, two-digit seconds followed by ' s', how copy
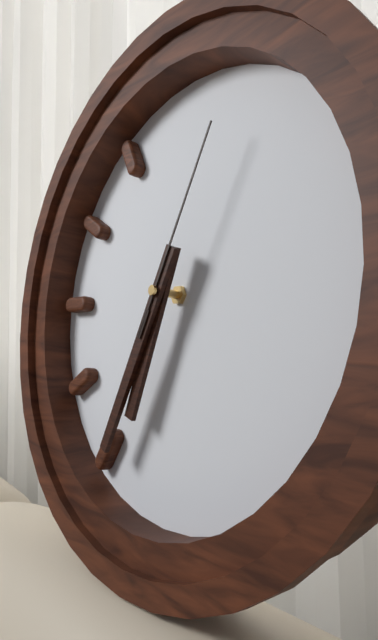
6 h 34 min 04 s
